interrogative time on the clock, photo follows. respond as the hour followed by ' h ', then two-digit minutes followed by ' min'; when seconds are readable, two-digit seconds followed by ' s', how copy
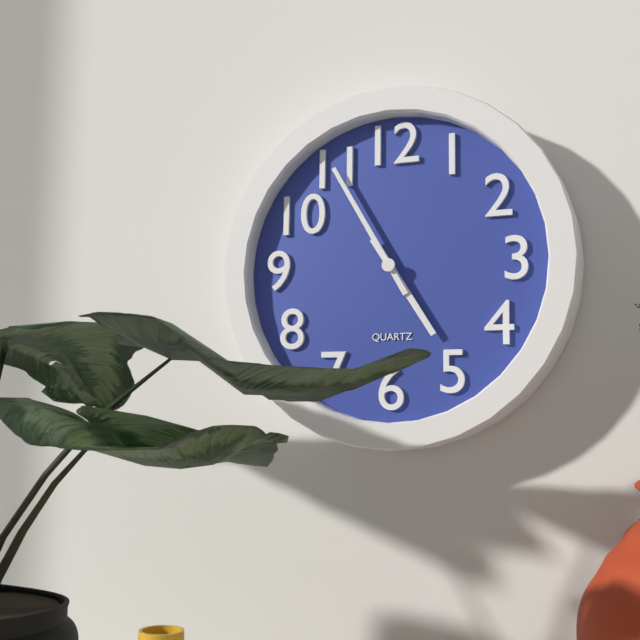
4 h 55 min
